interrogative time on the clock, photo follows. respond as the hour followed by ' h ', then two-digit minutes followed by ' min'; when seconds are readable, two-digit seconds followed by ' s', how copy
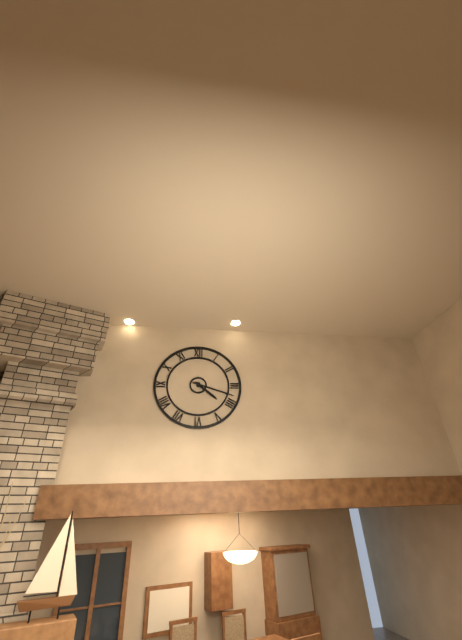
4 h 18 min
